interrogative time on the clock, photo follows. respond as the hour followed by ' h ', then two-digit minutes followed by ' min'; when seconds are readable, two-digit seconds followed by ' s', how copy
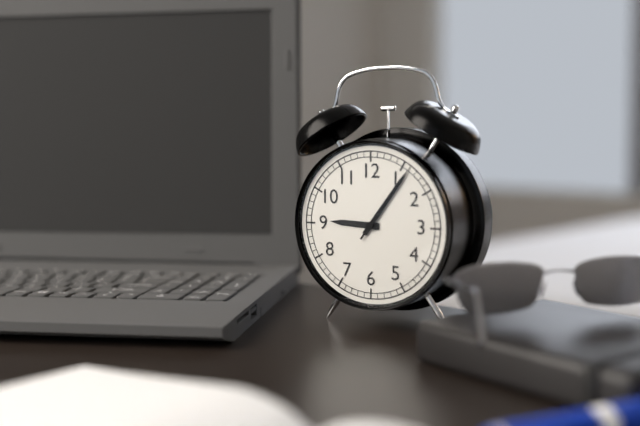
9 h 06 min 06 s
